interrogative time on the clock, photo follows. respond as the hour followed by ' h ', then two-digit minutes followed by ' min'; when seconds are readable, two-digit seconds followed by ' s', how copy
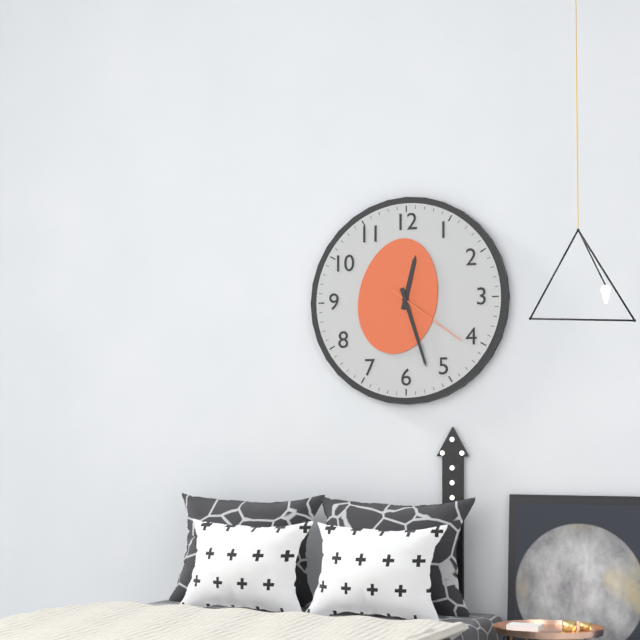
12 h 27 min 21 s
